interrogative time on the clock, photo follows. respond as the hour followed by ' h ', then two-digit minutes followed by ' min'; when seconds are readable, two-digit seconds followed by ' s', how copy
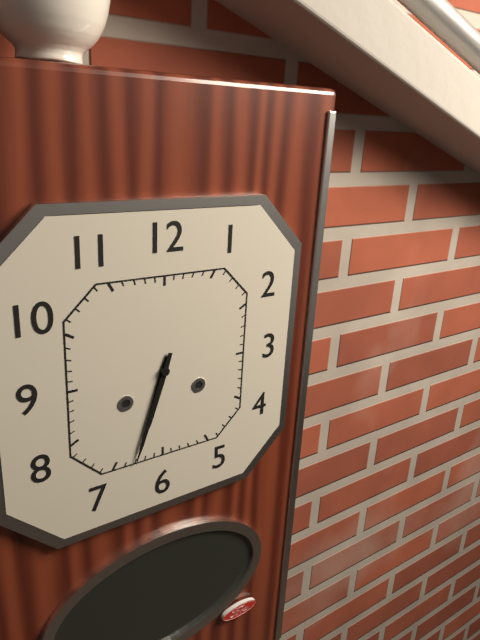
6 h 33 min
